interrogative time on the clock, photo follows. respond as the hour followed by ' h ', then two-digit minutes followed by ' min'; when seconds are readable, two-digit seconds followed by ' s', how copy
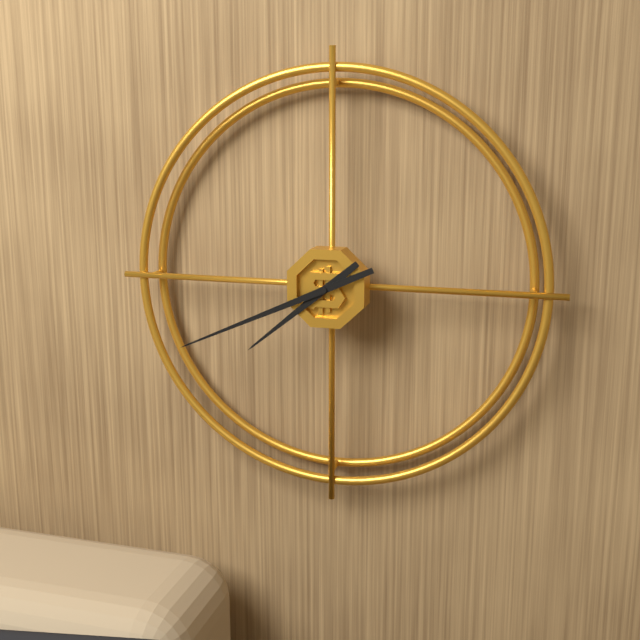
7 h 41 min
